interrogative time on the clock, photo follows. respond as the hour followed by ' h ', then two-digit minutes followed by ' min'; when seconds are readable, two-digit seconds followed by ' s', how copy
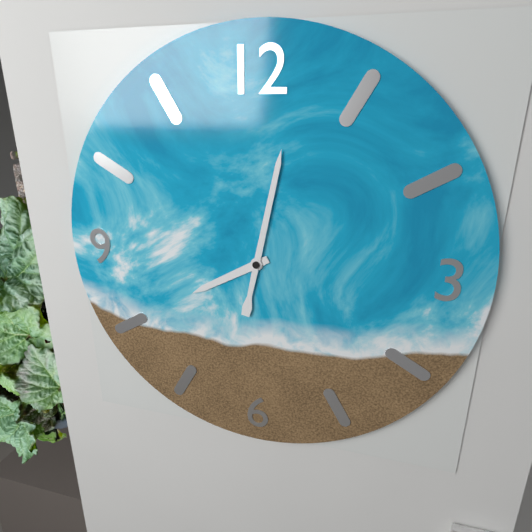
8 h 02 min
